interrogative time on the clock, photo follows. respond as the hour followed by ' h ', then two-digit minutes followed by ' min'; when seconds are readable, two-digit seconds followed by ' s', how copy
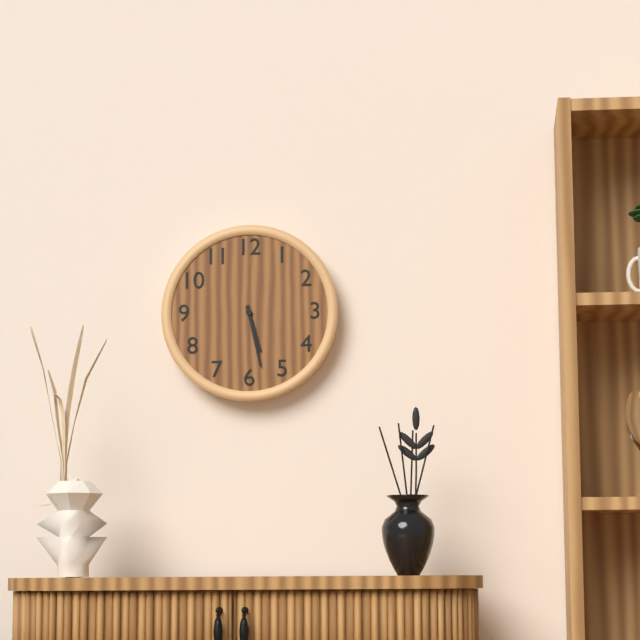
5 h 28 min
